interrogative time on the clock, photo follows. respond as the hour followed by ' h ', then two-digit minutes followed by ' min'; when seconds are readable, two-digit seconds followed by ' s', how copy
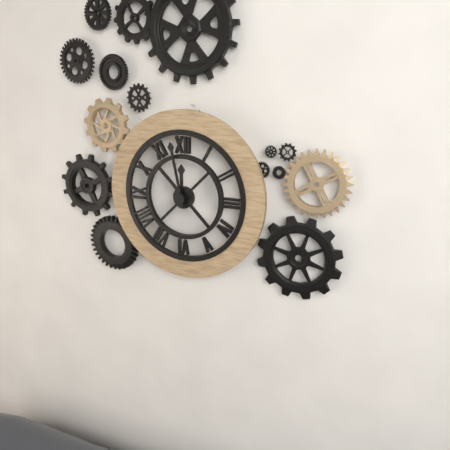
11 h 58 min
